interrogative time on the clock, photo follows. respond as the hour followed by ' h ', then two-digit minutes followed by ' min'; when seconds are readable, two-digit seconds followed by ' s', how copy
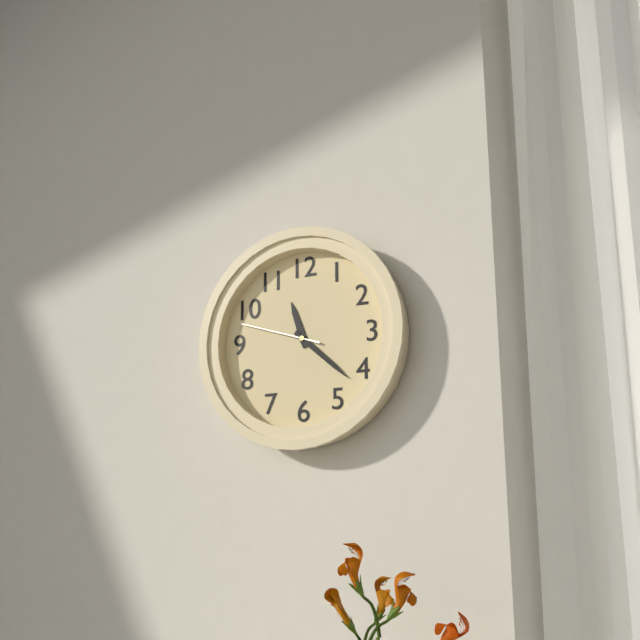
11 h 22 min 48 s
